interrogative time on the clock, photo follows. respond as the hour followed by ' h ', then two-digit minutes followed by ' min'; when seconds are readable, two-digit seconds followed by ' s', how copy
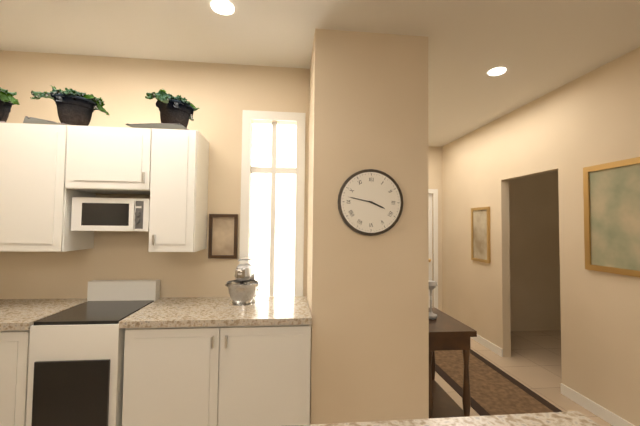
3 h 47 min
